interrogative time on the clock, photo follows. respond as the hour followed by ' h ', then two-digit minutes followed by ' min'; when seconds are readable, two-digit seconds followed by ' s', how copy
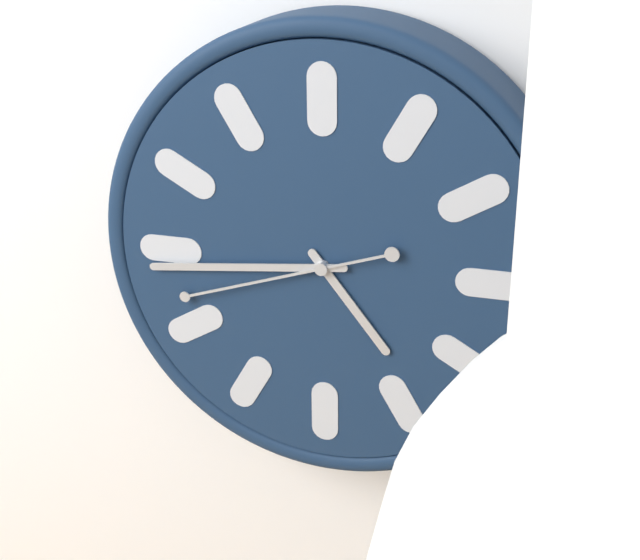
4 h 44 min 42 s
